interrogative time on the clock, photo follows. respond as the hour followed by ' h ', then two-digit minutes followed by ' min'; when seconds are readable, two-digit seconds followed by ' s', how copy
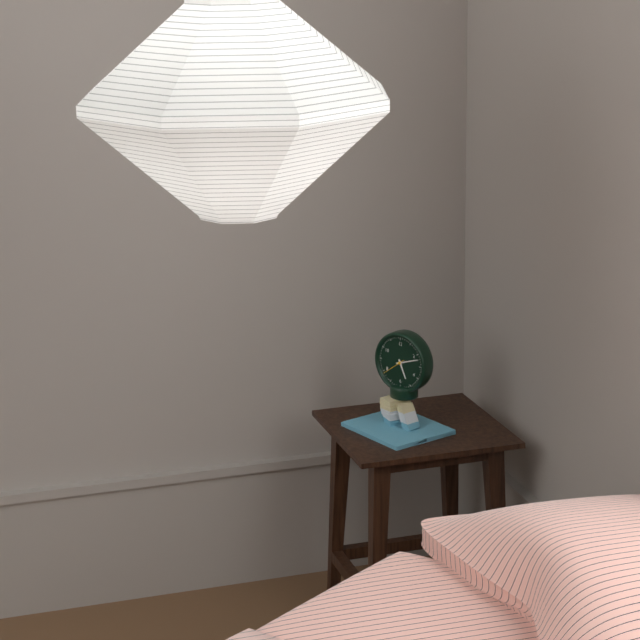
5 h 12 min
